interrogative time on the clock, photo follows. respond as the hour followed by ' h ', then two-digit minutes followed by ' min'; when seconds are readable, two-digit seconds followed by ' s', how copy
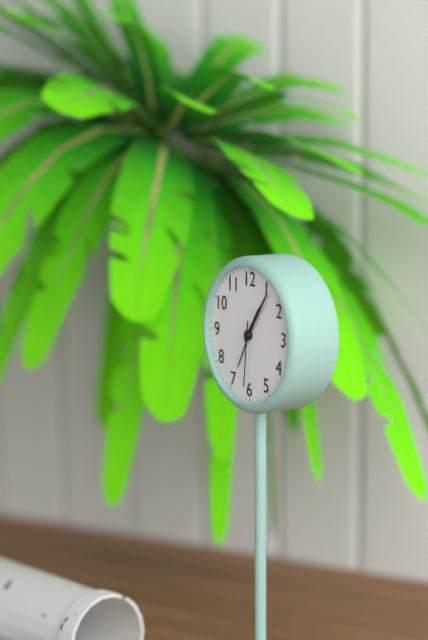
1 h 06 min 31 s
